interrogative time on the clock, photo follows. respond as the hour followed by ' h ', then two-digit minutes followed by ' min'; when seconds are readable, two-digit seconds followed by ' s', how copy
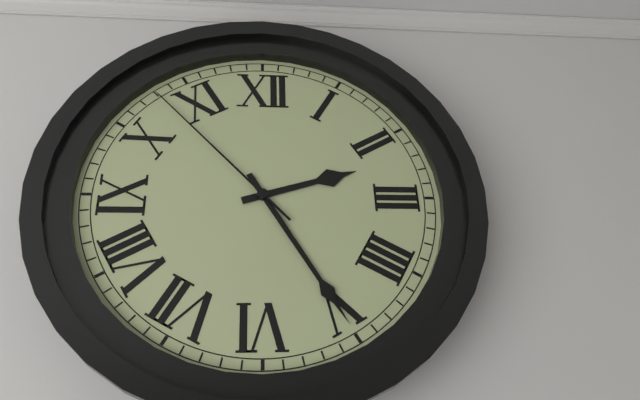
2 h 25 min 53 s
